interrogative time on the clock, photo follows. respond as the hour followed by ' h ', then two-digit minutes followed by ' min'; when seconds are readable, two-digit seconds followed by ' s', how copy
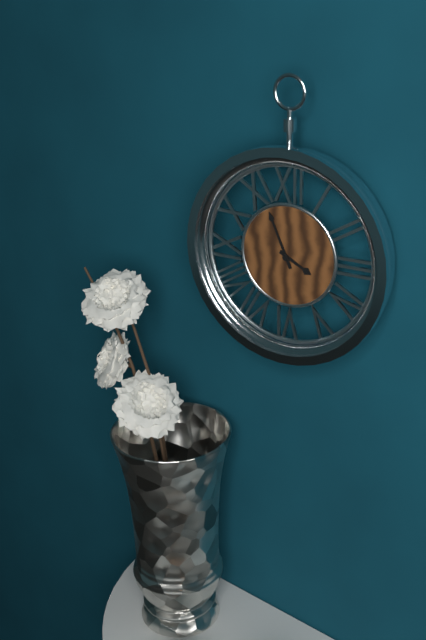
3 h 56 min
